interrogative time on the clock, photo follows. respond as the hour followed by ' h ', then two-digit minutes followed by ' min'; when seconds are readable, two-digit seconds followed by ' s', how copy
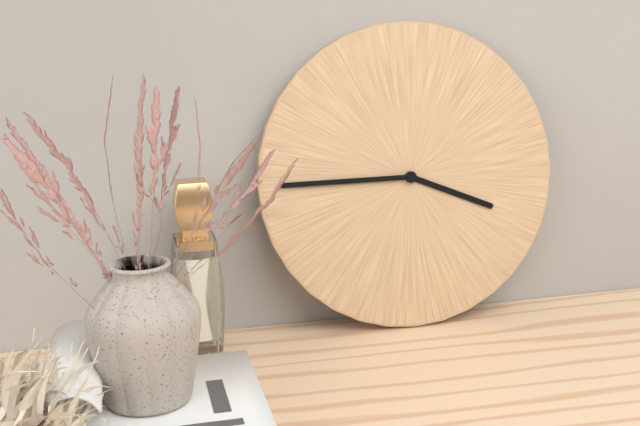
3 h 45 min
